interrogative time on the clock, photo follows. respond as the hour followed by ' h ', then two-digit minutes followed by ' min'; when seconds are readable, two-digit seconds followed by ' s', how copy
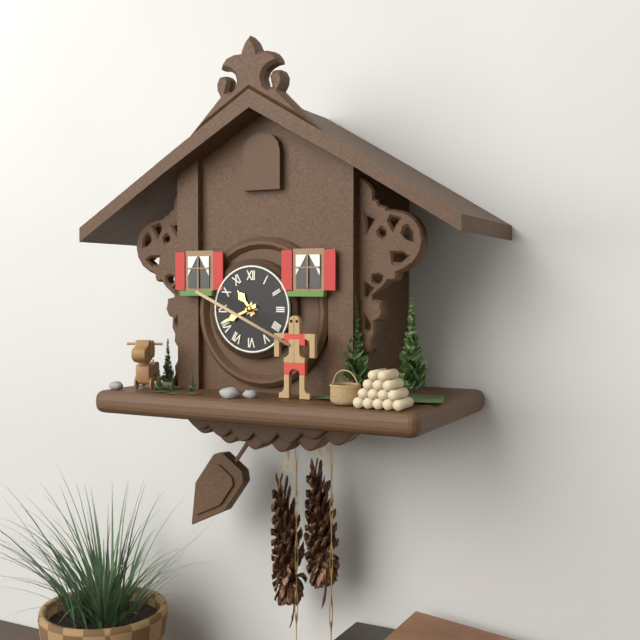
10 h 41 min
